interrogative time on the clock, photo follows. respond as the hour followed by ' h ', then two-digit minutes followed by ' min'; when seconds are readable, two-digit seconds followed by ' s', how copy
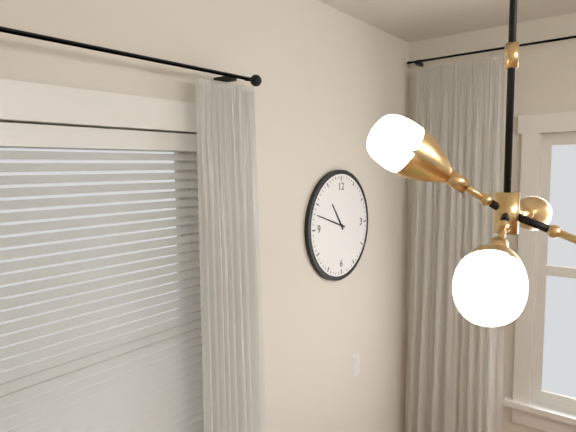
10 h 48 min
